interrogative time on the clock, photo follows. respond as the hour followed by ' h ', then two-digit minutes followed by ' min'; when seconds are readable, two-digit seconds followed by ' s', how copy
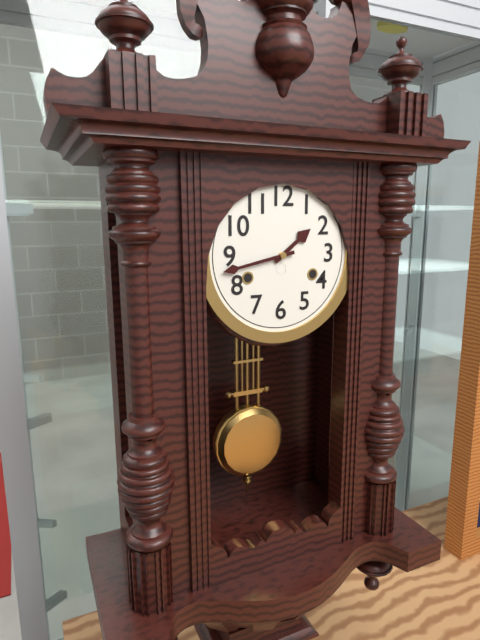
1 h 43 min
